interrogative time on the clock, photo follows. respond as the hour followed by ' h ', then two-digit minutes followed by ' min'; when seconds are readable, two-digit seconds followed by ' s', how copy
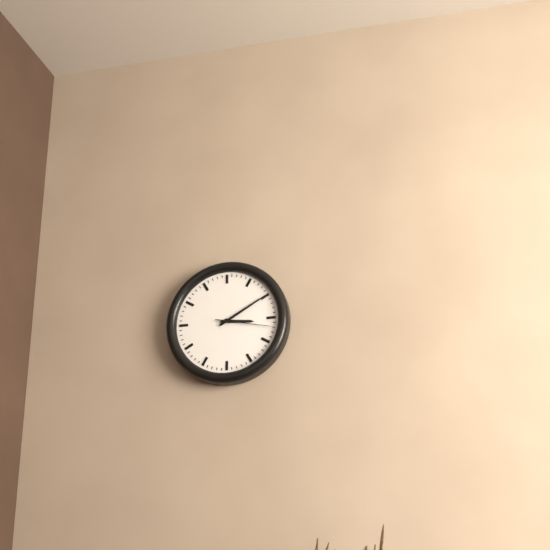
3 h 10 min 17 s
